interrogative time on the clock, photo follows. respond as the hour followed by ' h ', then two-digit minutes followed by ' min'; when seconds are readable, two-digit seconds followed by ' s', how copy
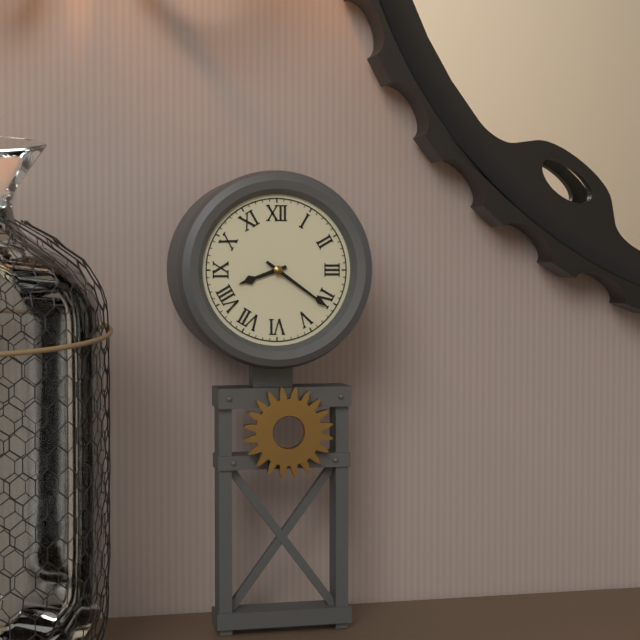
8 h 21 min
